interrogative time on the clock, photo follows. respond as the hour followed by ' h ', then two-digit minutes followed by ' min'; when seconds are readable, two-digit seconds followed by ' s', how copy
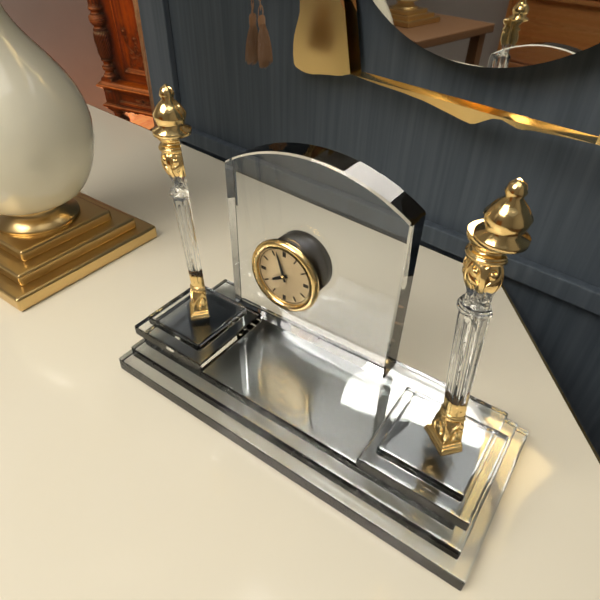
7 h 57 min
